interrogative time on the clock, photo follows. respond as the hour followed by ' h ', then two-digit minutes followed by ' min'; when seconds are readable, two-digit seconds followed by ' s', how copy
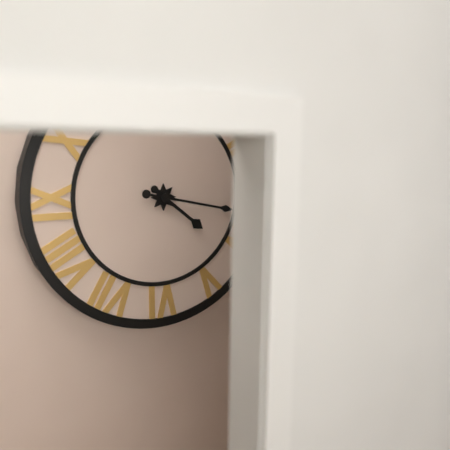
4 h 17 min
